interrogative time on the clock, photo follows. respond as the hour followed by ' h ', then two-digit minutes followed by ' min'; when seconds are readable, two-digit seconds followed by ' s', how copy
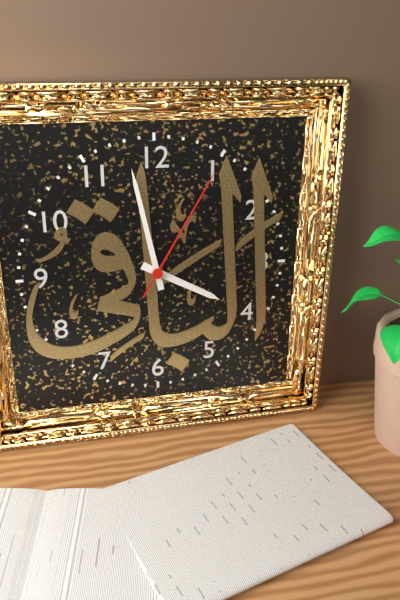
3 h 58 min 05 s
